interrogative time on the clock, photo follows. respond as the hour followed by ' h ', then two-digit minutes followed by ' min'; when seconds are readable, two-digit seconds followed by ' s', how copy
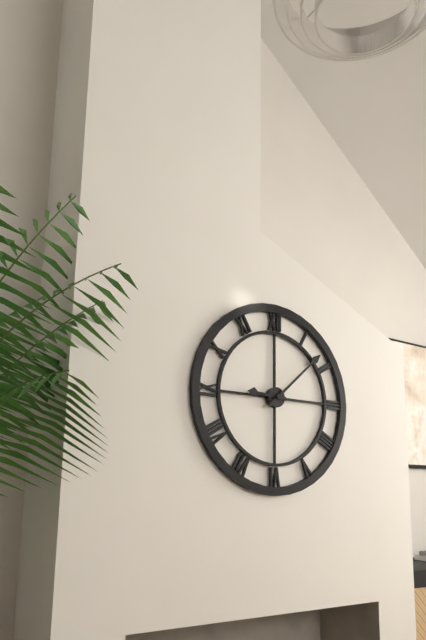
9 h 08 min
